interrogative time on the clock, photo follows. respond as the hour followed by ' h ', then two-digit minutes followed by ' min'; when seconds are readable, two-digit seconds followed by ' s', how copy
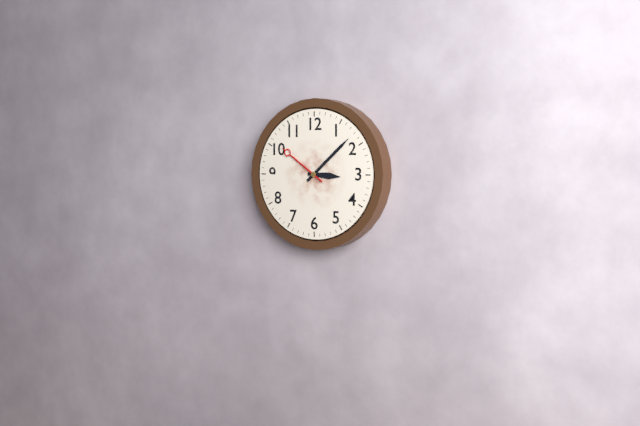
3 h 08 min 51 s
